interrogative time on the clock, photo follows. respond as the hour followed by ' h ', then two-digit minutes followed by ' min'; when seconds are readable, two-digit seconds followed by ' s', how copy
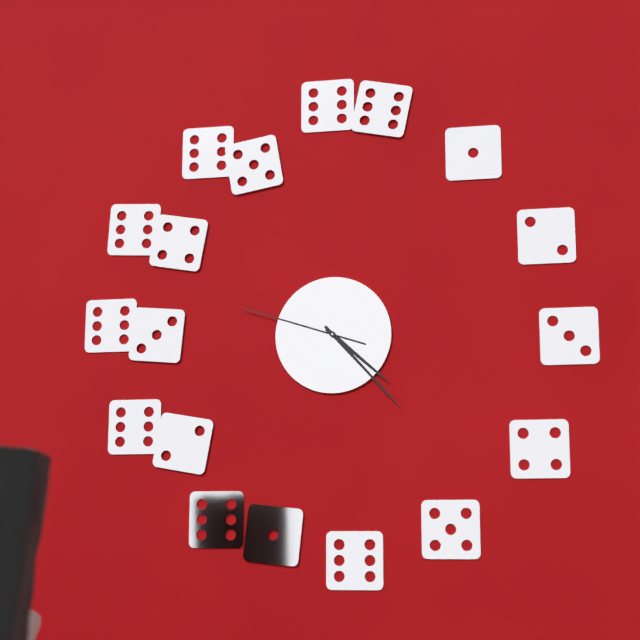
4 h 23 min 48 s
